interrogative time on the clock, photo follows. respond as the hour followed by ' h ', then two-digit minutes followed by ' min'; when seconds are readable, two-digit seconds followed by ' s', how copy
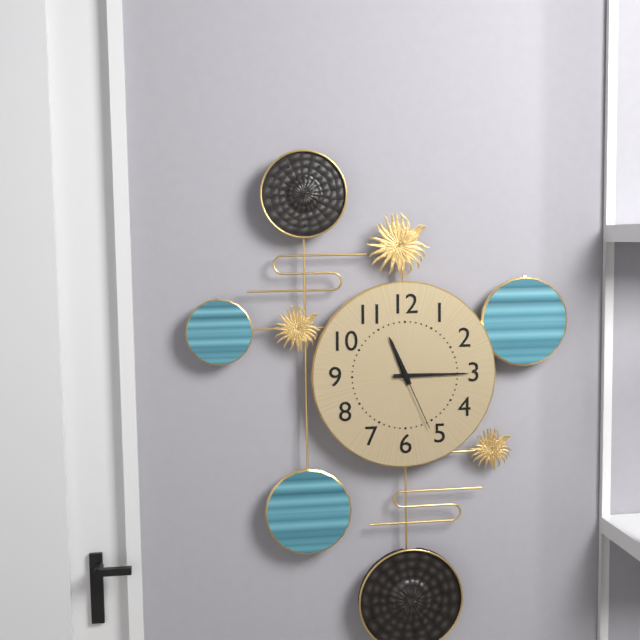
11 h 15 min 26 s
